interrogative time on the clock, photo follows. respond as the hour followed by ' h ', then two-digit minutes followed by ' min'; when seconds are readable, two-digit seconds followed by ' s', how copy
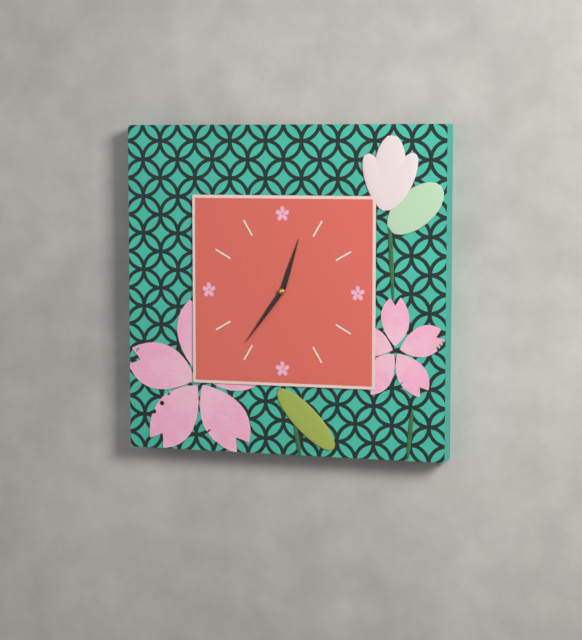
12 h 36 min
